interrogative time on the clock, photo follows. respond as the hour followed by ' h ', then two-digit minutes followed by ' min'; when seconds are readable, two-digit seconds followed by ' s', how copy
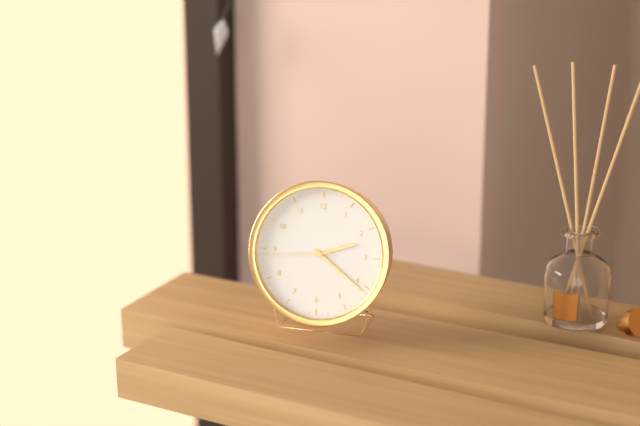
2 h 21 min 44 s
